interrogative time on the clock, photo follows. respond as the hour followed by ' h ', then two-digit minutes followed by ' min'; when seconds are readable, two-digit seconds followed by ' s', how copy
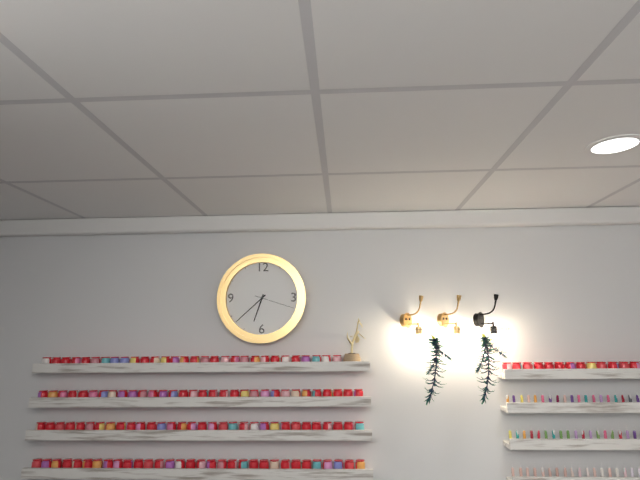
6 h 38 min
